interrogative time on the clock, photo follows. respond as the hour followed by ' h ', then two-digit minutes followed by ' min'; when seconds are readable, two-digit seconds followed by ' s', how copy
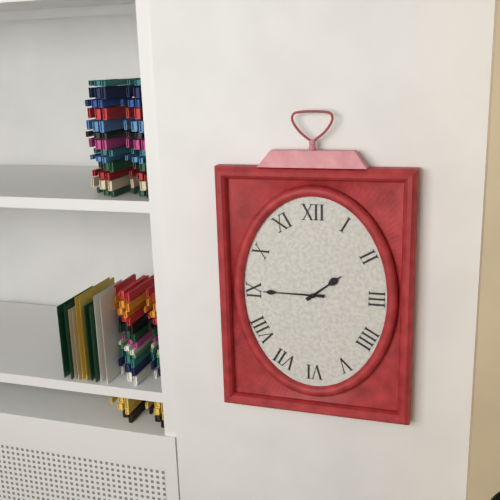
1 h 45 min
